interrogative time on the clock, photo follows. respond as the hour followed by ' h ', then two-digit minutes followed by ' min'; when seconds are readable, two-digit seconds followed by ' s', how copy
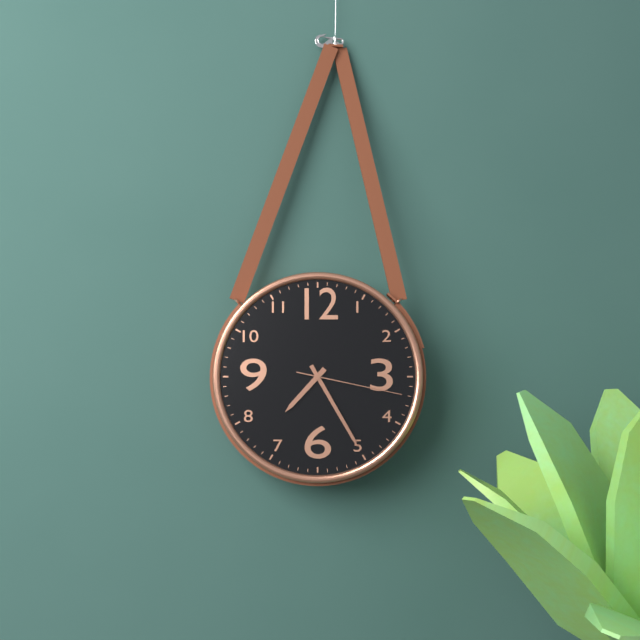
7 h 25 min 17 s
